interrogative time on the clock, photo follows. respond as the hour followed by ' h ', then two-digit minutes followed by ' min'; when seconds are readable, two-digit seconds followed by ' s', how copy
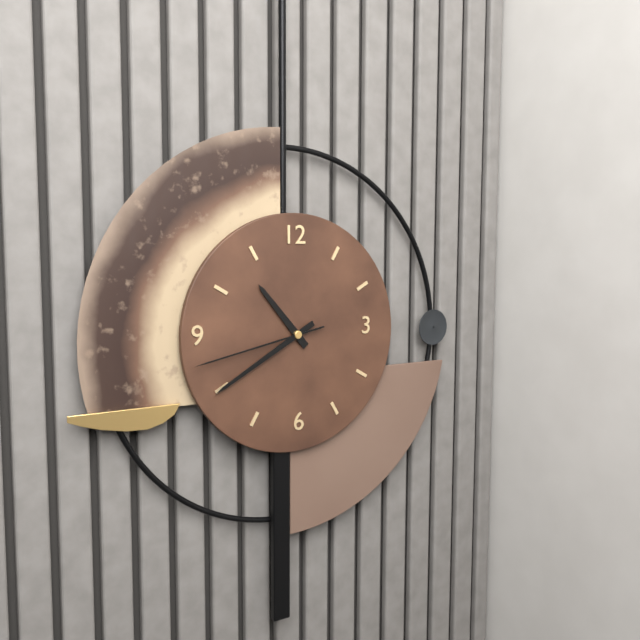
10 h 40 min 43 s
